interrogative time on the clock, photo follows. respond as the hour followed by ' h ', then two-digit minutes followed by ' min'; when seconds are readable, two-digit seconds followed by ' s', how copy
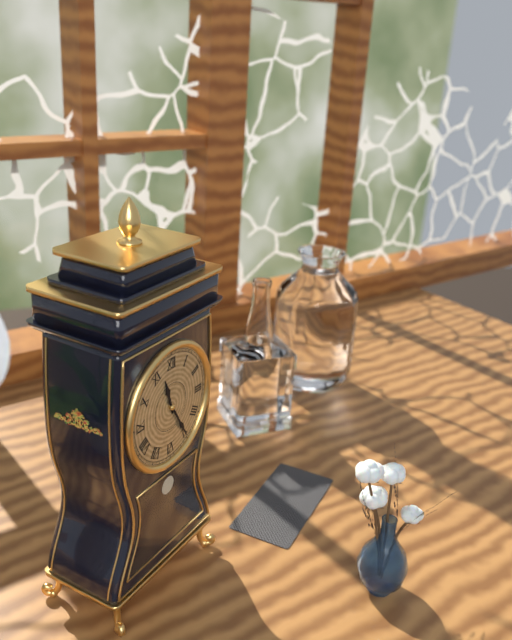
11 h 25 min
